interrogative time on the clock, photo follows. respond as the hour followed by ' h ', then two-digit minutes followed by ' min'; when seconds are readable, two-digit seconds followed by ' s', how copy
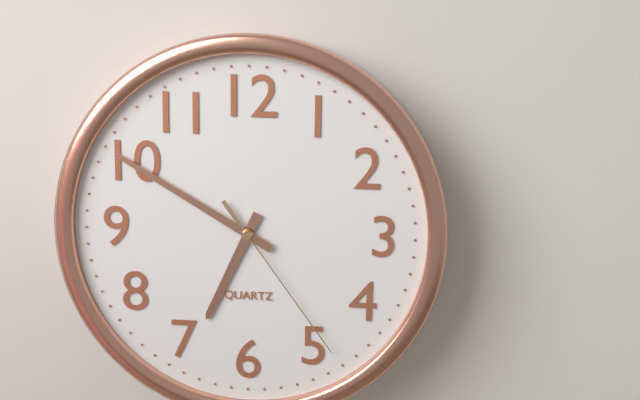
6 h 50 min 24 s
